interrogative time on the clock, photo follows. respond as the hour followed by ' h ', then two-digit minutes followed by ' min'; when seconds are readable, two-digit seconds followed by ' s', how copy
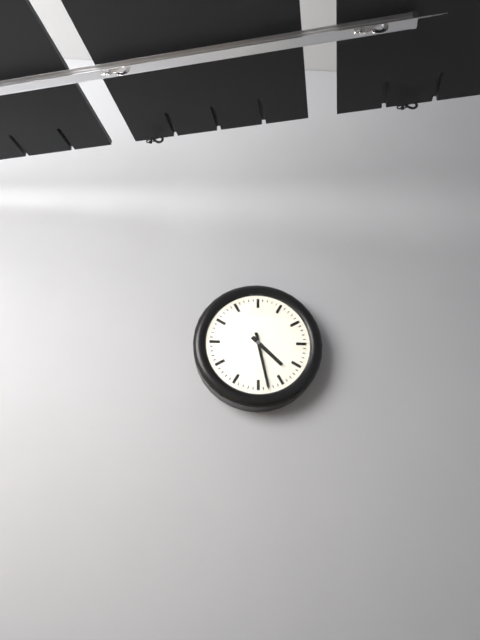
4 h 28 min
